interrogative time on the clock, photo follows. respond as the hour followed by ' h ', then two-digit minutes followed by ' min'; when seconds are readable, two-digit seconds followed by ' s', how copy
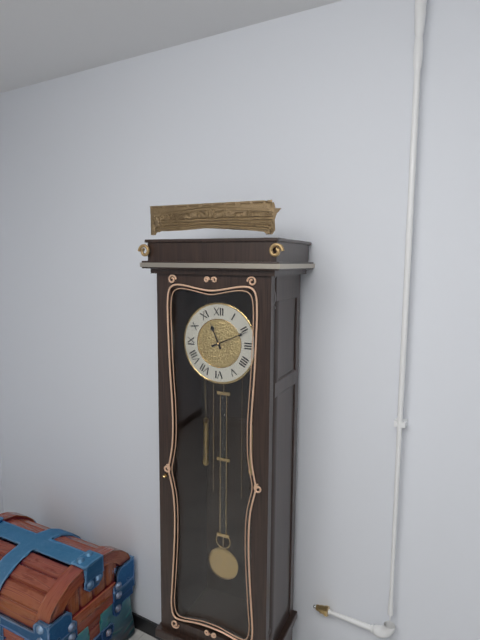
11 h 11 min
